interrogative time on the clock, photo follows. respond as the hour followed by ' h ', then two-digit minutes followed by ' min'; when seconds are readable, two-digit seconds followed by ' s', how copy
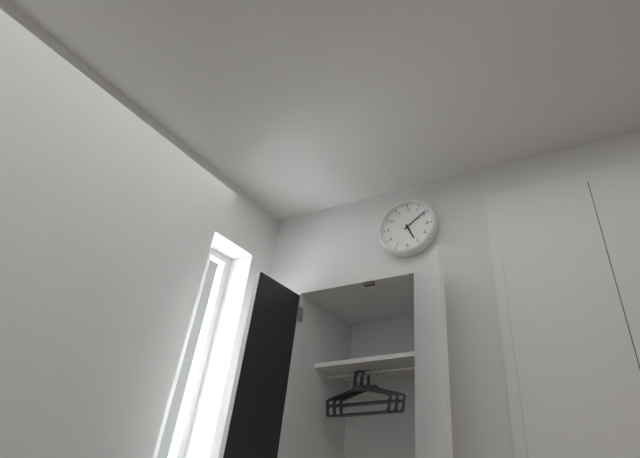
5 h 09 min
